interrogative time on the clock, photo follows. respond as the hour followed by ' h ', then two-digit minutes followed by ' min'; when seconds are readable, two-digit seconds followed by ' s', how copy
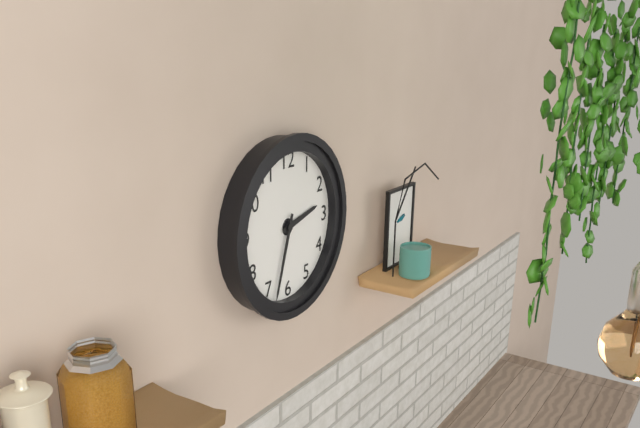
2 h 33 min
